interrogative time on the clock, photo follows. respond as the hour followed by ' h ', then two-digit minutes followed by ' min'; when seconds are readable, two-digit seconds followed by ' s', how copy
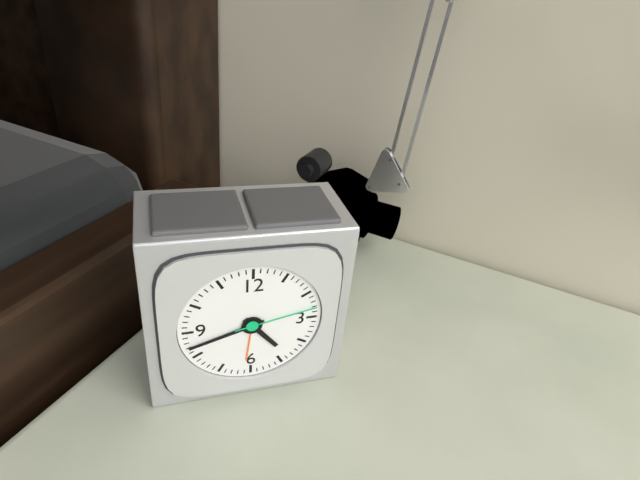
4 h 42 min 13 s
